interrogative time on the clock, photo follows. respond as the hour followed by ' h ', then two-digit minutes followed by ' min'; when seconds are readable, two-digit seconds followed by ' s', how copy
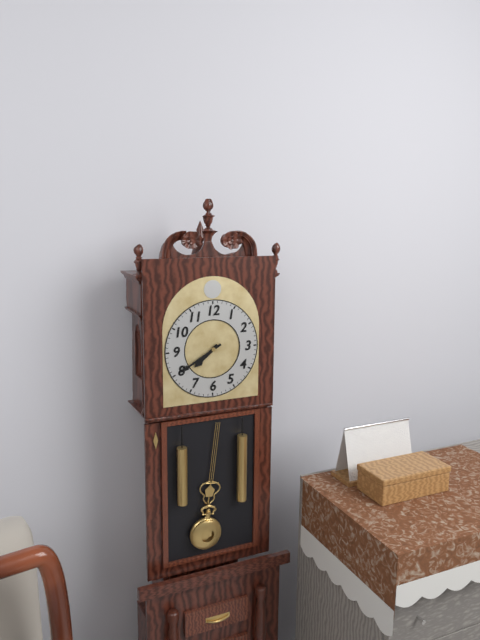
7 h 40 min
